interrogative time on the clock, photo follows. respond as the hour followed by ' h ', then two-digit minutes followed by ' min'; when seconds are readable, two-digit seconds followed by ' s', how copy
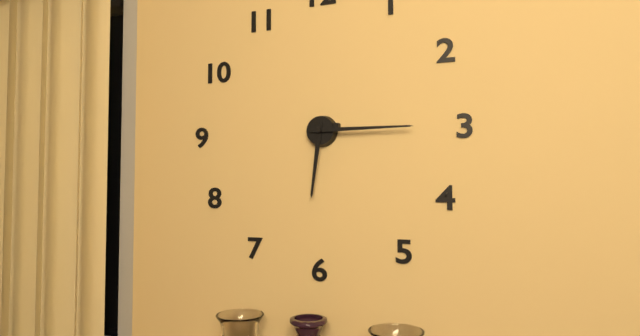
6 h 15 min
